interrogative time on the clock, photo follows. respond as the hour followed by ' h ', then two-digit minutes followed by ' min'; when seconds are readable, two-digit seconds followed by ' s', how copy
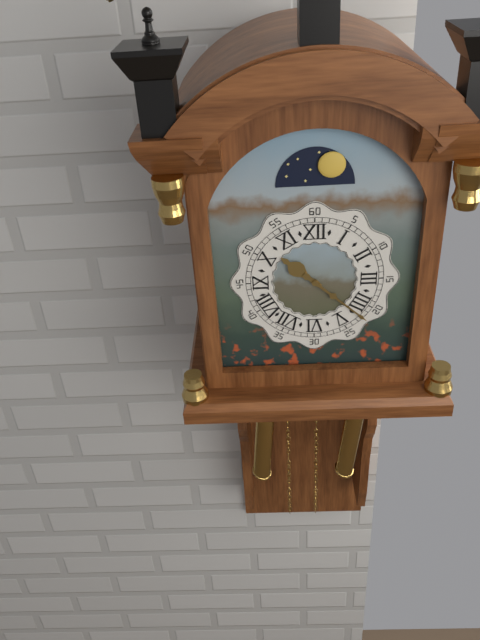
10 h 22 min
